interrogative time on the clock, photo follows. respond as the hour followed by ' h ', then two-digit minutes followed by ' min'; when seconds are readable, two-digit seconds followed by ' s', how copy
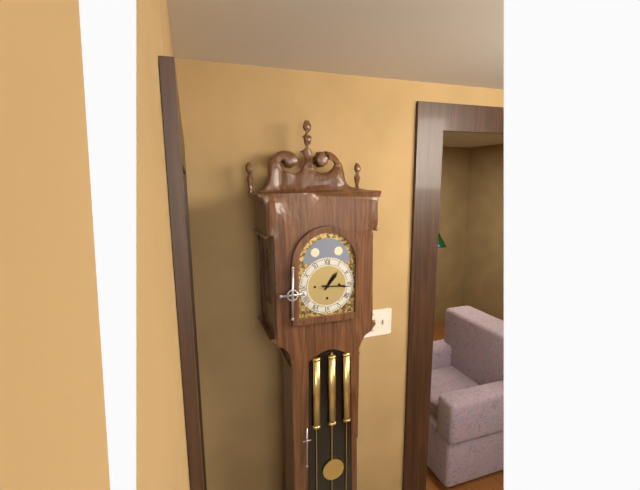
1 h 16 min
